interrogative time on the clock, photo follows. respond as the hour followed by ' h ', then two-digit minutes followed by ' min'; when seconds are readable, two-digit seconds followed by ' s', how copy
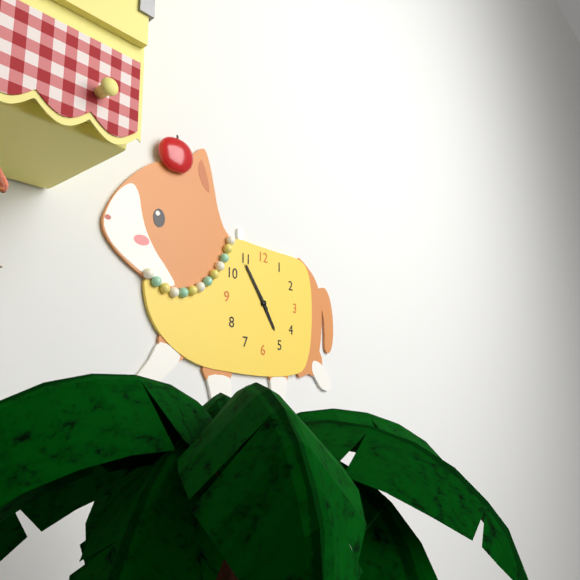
4 h 54 min
